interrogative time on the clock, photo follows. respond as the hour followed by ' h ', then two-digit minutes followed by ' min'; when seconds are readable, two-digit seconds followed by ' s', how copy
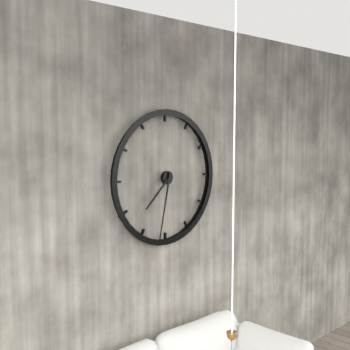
7 h 32 min
